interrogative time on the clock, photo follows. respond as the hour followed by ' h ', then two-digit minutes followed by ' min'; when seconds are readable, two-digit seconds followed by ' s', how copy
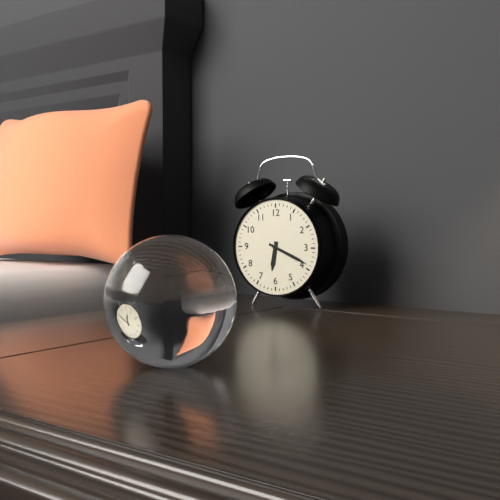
6 h 19 min
